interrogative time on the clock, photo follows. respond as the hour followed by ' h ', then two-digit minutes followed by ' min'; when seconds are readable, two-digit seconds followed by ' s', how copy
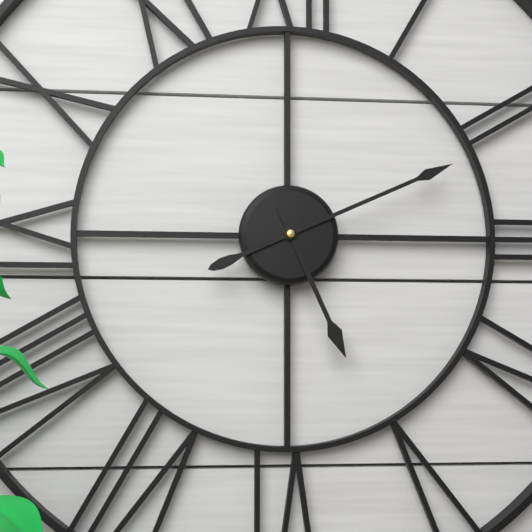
5 h 11 min
